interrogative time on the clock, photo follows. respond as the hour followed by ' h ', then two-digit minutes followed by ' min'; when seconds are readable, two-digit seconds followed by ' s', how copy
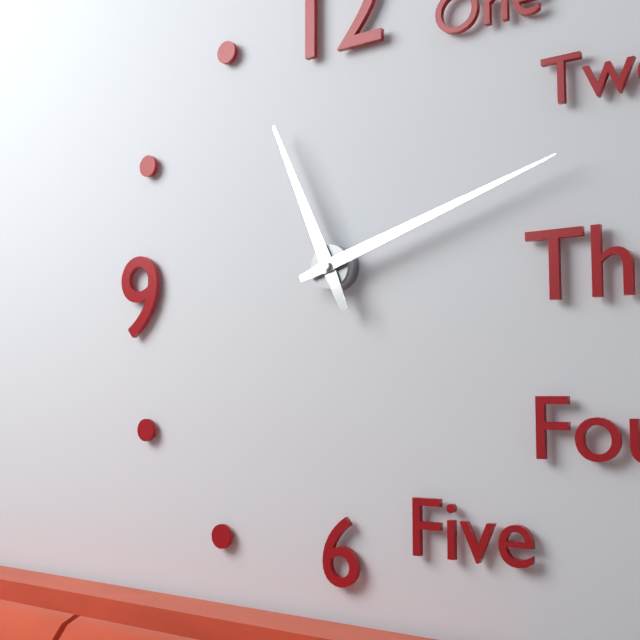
11 h 12 min
